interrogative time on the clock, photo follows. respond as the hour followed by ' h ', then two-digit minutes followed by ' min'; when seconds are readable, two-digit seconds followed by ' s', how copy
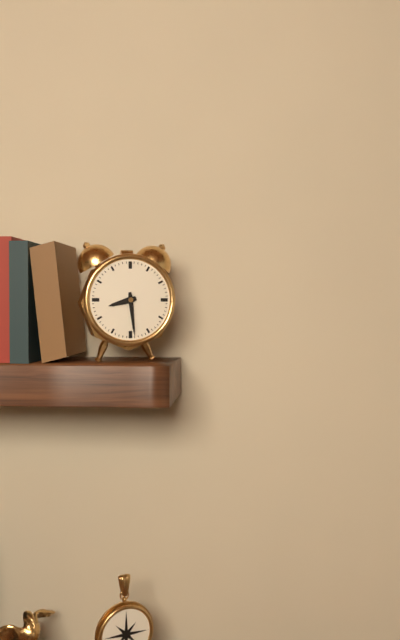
8 h 29 min
